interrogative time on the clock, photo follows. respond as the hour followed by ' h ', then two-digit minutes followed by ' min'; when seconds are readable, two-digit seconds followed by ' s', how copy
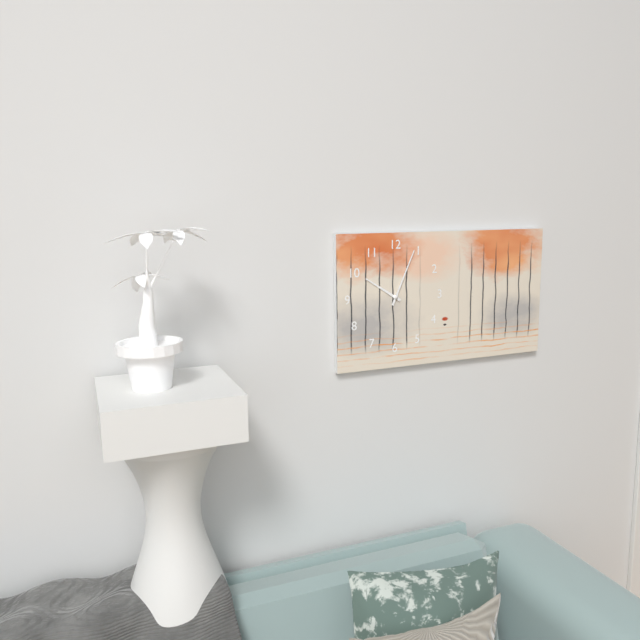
10 h 04 min
